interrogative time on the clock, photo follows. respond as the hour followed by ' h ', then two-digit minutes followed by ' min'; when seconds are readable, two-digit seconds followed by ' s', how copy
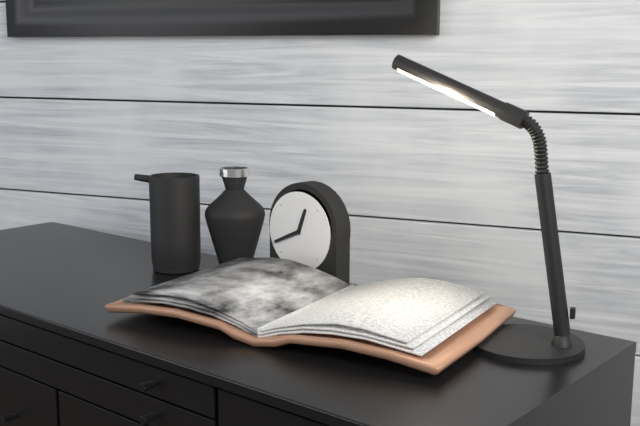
12 h 41 min
